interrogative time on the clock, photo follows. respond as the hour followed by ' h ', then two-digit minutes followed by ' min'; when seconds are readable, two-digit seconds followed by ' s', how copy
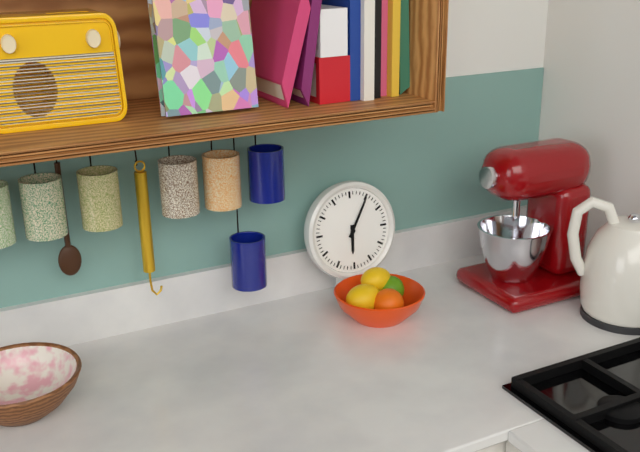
6 h 05 min
